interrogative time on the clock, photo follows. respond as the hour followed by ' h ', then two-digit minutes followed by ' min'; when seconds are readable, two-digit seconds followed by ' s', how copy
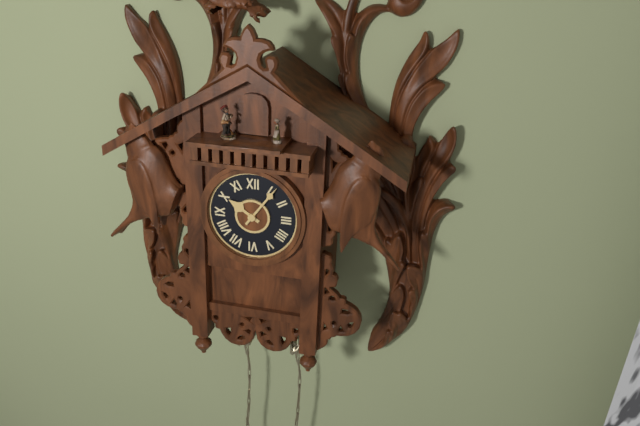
10 h 06 min
